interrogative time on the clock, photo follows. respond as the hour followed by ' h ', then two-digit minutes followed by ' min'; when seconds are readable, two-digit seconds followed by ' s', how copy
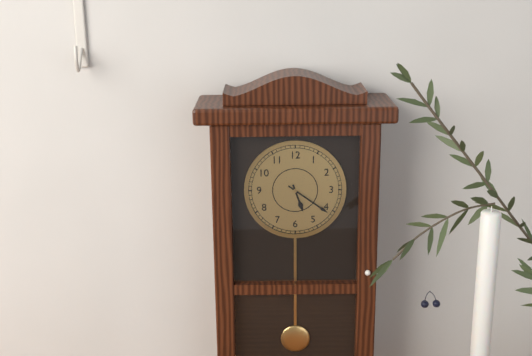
5 h 21 min
